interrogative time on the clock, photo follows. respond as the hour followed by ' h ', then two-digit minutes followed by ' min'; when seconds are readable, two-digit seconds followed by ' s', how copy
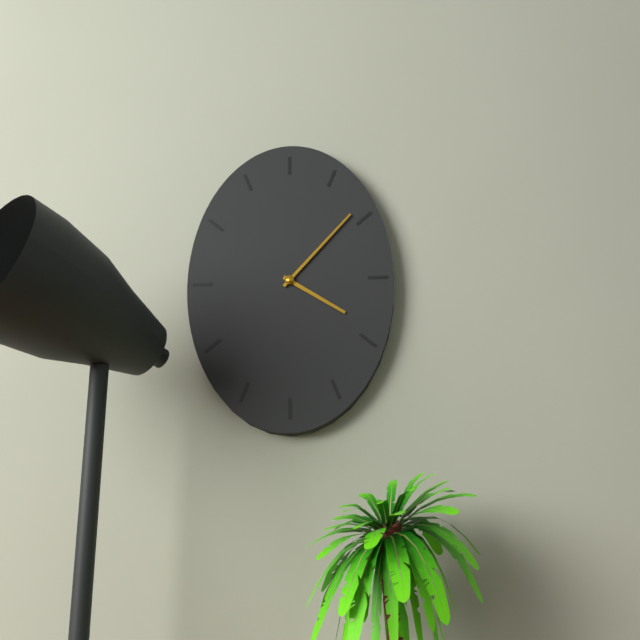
4 h 07 min
